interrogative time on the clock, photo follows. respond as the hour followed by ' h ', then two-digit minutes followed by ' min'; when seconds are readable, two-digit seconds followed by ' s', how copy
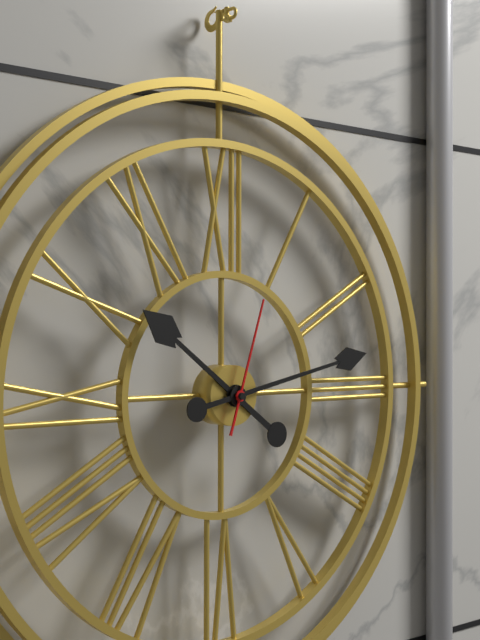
10 h 13 min 03 s
